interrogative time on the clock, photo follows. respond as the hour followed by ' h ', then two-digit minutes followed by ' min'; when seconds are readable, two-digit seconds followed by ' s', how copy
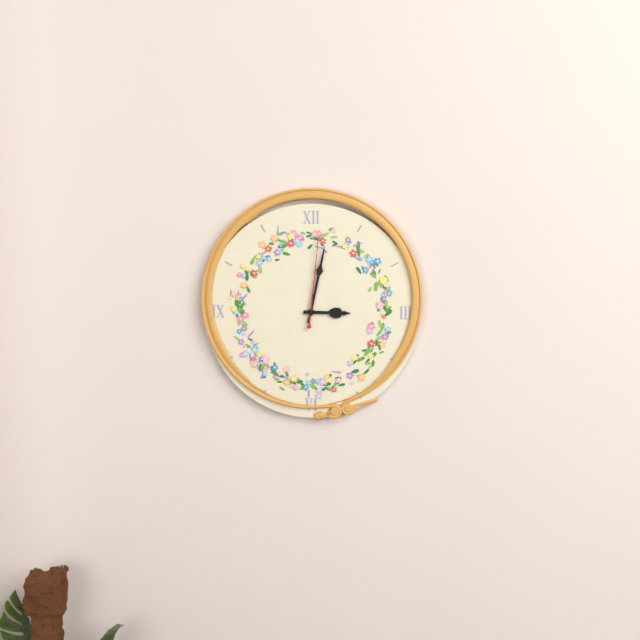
3 h 02 min 01 s
